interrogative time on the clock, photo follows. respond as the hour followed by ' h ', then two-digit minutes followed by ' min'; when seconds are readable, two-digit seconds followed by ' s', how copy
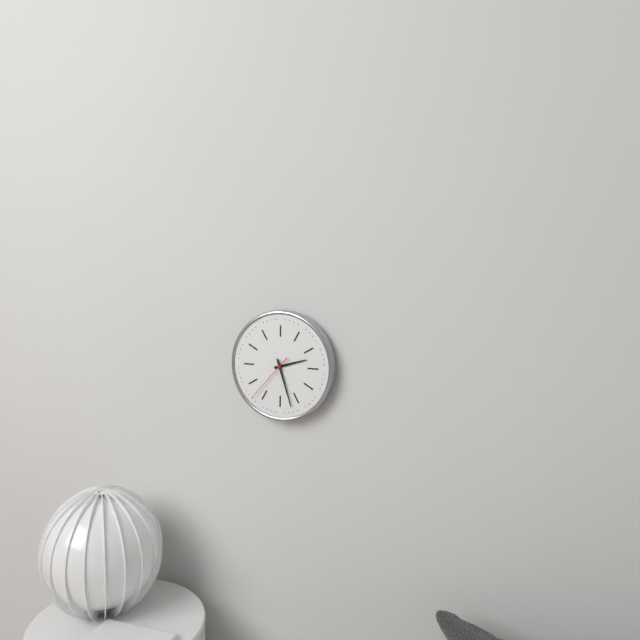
2 h 27 min 37 s
